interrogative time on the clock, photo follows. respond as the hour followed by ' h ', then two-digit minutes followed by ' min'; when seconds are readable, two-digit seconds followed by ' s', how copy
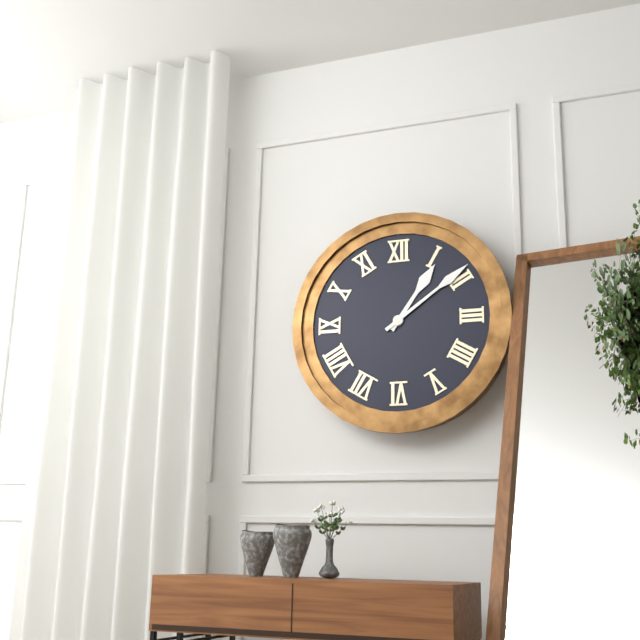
1 h 09 min
